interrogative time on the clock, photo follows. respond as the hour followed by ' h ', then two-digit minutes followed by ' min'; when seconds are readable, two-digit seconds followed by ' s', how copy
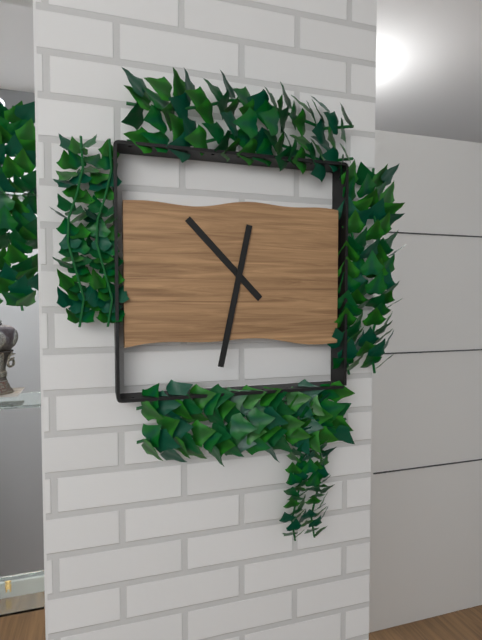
10 h 32 min
